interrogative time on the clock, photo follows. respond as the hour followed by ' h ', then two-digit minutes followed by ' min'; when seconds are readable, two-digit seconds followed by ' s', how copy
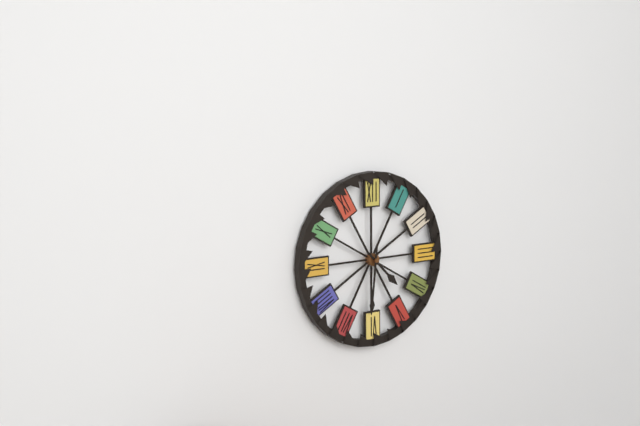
4 h 31 min
